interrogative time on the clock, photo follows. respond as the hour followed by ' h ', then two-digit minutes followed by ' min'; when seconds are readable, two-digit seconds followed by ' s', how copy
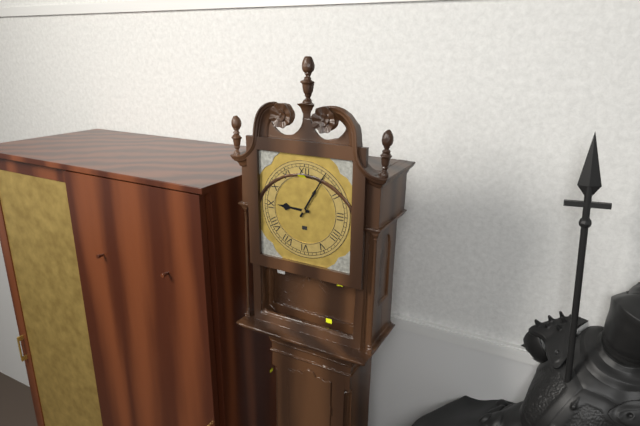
9 h 05 min
